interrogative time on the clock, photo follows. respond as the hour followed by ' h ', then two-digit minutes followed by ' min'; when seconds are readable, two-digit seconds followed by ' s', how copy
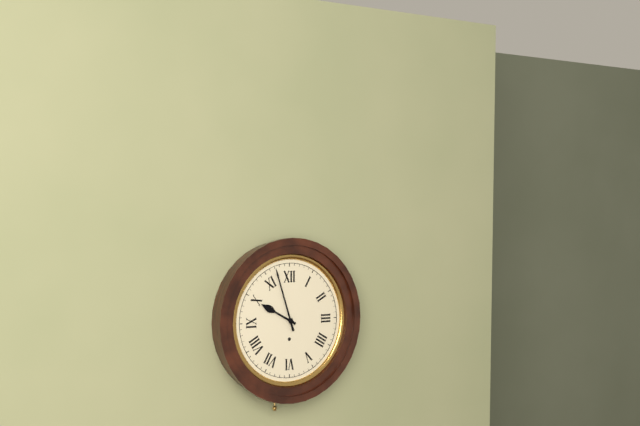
9 h 57 min
